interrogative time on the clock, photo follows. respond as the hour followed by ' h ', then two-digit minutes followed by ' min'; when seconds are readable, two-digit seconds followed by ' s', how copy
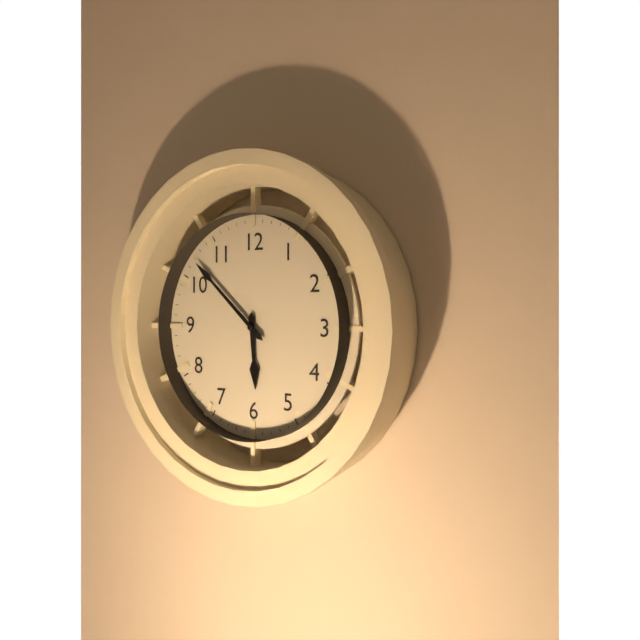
5 h 52 min
